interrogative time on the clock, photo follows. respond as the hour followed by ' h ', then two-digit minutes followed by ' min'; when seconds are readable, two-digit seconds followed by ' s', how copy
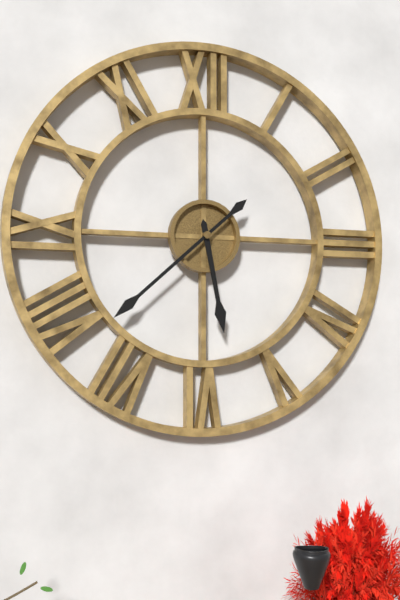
5 h 38 min
